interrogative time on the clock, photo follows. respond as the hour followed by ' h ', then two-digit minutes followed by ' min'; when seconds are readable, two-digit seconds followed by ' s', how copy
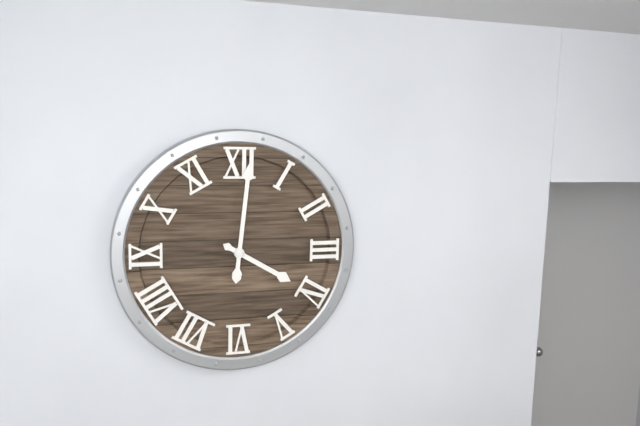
4 h 01 min
